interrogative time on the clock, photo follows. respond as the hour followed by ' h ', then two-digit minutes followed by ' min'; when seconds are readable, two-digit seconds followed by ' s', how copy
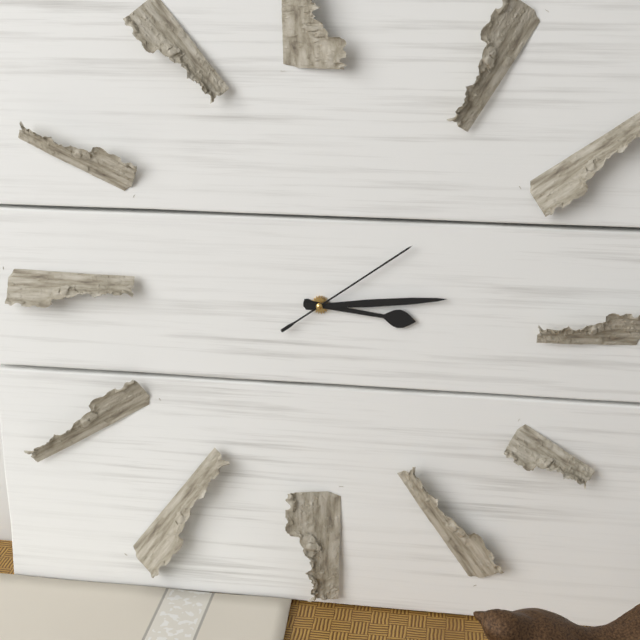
3 h 14 min 09 s
